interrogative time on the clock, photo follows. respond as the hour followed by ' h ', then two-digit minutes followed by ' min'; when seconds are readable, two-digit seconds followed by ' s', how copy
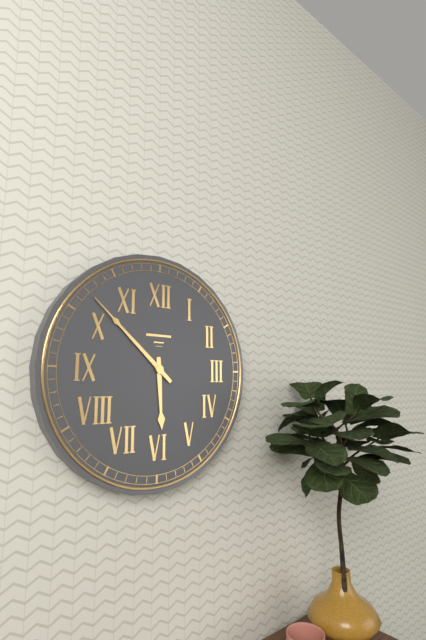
5 h 52 min
